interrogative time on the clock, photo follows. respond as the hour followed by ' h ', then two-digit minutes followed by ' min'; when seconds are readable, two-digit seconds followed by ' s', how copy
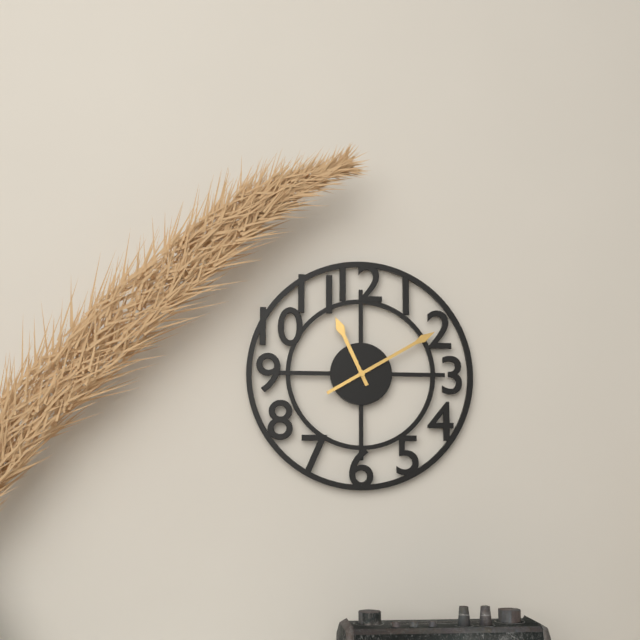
11 h 10 min
